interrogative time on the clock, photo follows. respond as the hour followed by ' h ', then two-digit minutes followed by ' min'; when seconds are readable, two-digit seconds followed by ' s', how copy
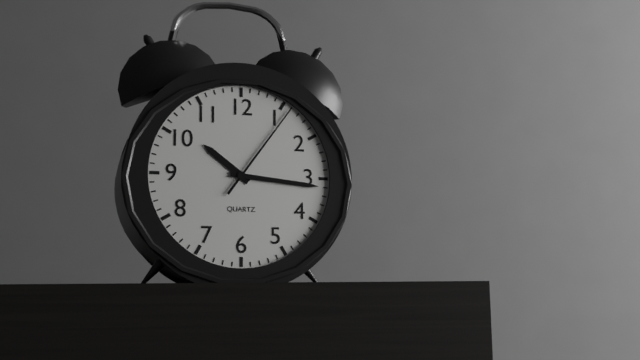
10 h 16 min 06 s
